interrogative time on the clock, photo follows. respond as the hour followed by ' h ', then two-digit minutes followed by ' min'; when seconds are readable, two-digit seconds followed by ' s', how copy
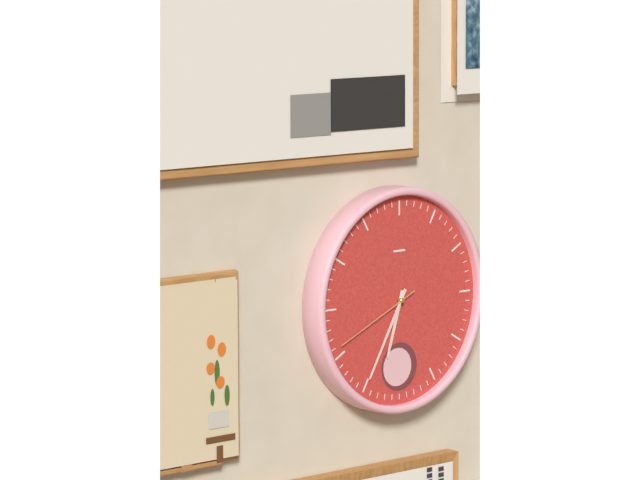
6 h 35 min 41 s
